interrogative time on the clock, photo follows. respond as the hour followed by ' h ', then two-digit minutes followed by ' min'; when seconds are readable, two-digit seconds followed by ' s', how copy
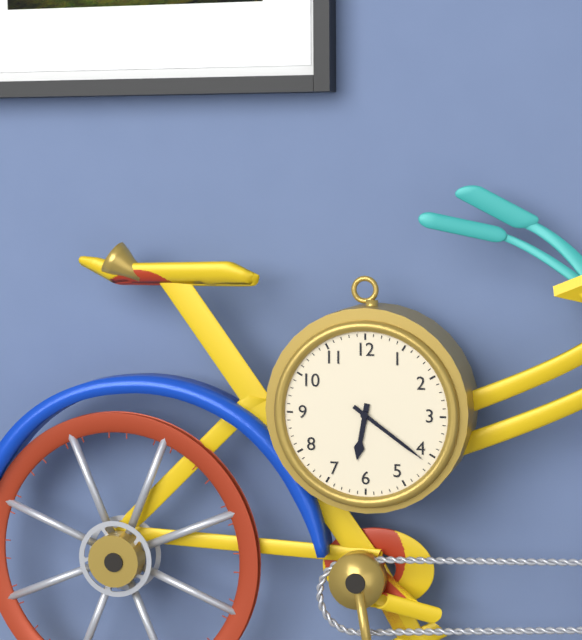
6 h 21 min
